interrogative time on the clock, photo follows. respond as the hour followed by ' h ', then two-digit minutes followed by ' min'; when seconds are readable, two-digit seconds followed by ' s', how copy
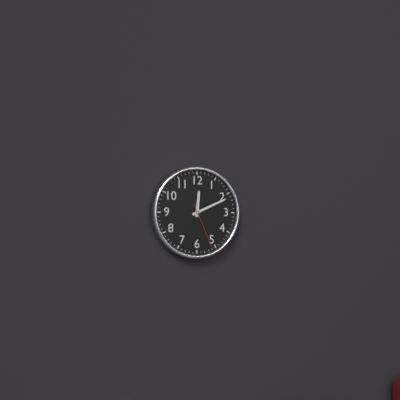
12 h 11 min
